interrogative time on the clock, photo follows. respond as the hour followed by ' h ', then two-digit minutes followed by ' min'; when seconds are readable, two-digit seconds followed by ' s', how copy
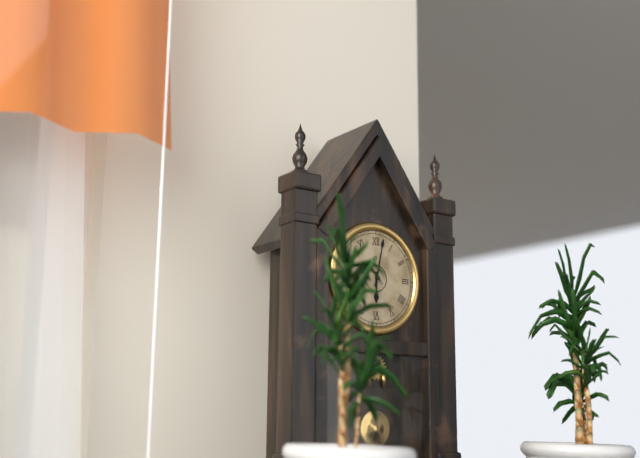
6 h 02 min
